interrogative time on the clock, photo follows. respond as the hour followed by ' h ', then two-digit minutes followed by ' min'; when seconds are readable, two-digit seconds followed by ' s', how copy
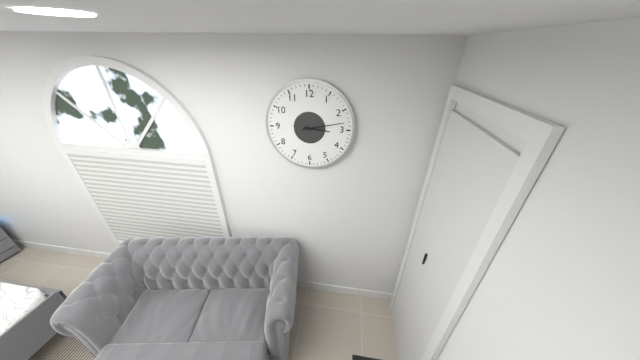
3 h 13 min
